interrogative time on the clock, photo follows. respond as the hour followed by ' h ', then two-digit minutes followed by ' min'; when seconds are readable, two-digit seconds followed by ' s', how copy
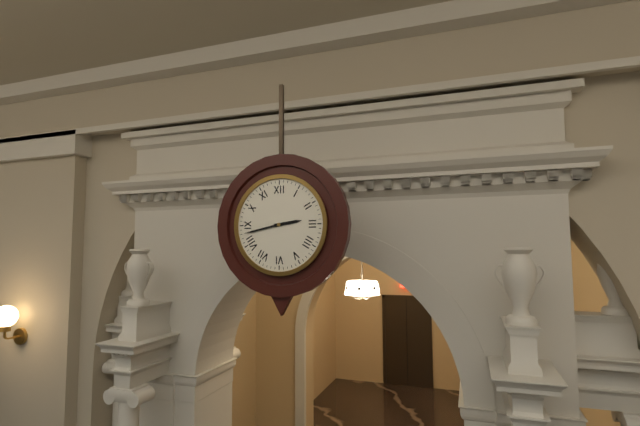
2 h 43 min
